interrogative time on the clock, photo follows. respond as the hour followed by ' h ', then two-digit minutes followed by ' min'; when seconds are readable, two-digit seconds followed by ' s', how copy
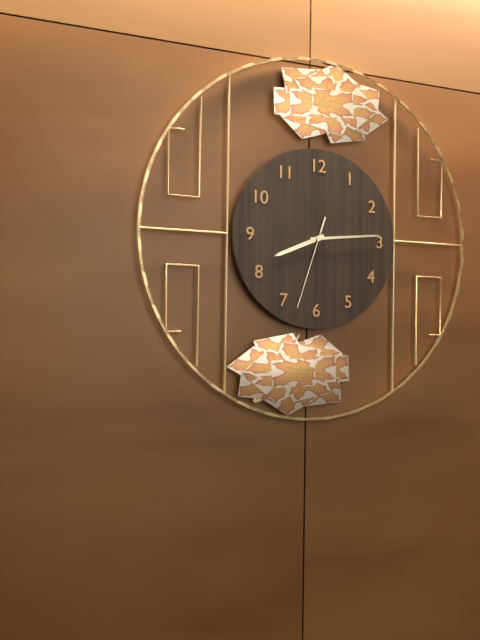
8 h 14 min 33 s
